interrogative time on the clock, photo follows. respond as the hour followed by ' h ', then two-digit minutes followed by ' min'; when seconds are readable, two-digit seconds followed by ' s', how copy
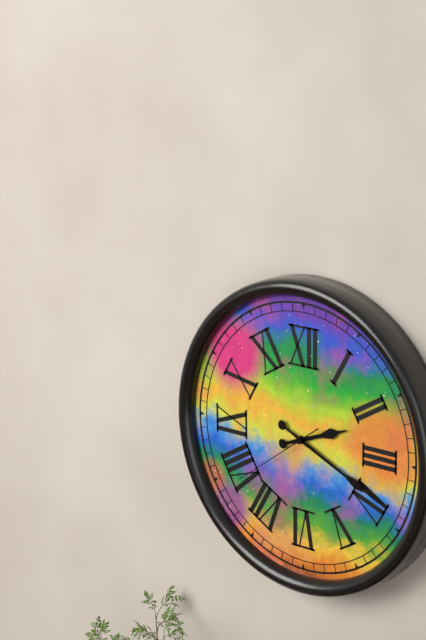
2 h 19 min 39 s
